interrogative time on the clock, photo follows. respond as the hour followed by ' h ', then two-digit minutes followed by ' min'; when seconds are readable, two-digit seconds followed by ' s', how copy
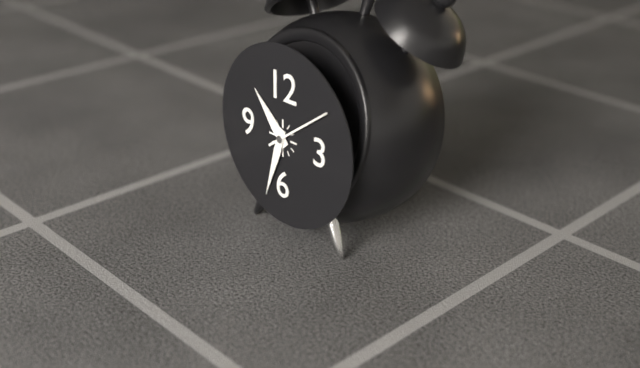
10 h 33 min 09 s
